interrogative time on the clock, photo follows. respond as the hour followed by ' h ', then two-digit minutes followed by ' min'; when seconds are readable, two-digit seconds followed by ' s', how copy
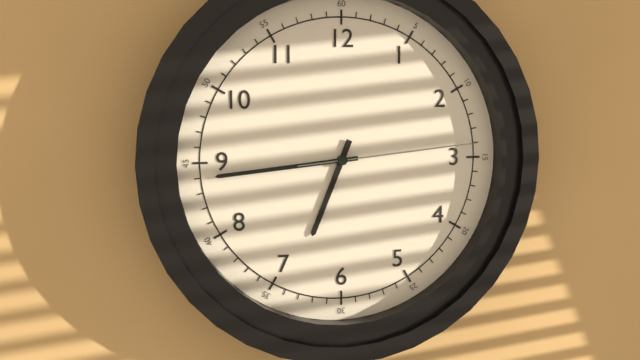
6 h 44 min 14 s
